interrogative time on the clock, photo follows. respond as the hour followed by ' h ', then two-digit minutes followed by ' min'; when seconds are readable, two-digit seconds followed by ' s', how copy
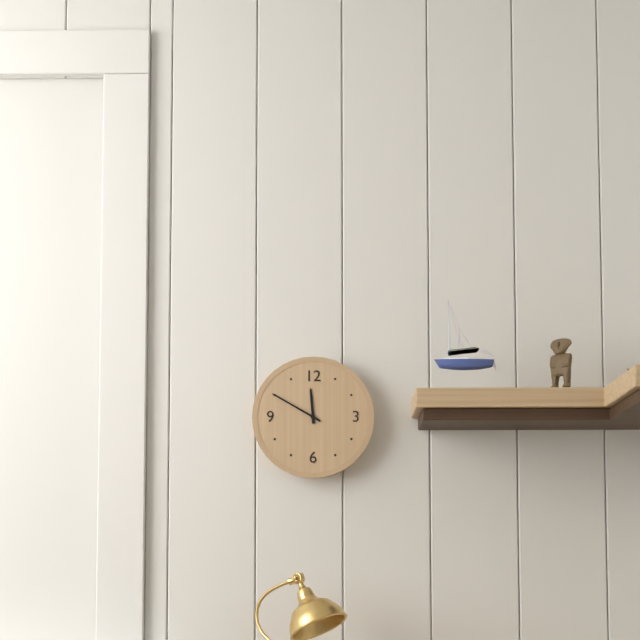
11 h 50 min
